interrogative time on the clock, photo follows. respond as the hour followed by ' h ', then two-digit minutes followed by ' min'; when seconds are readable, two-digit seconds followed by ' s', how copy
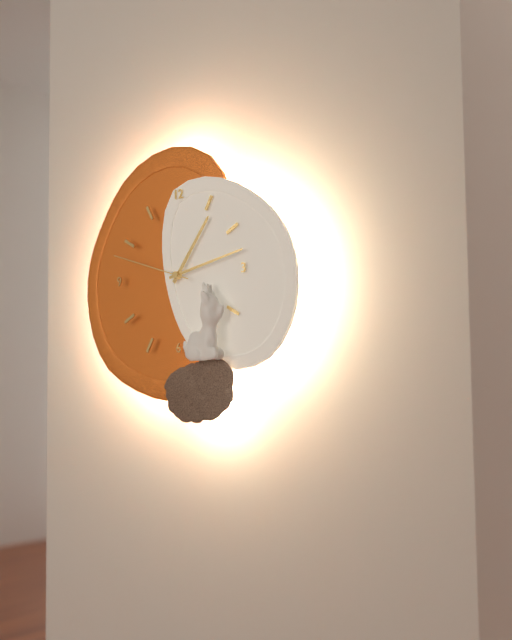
1 h 13 min 48 s
